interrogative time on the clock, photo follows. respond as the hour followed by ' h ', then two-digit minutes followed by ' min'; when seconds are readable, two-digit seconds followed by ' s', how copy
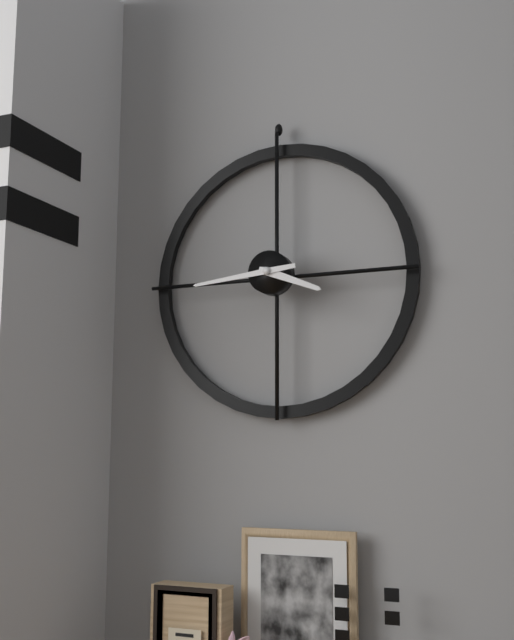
3 h 44 min
